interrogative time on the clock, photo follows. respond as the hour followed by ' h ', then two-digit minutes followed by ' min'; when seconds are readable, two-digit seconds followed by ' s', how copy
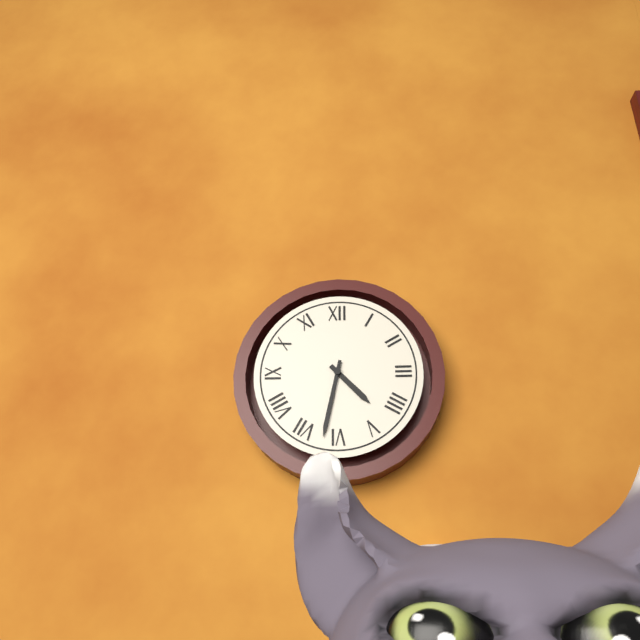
4 h 32 min
